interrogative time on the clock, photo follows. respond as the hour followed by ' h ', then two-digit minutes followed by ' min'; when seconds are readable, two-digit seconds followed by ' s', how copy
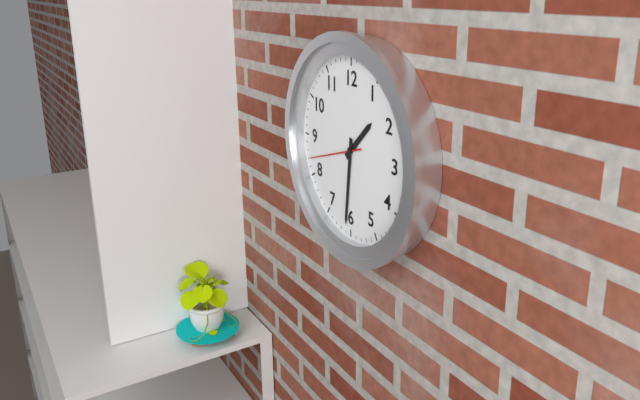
1 h 31 min 42 s
